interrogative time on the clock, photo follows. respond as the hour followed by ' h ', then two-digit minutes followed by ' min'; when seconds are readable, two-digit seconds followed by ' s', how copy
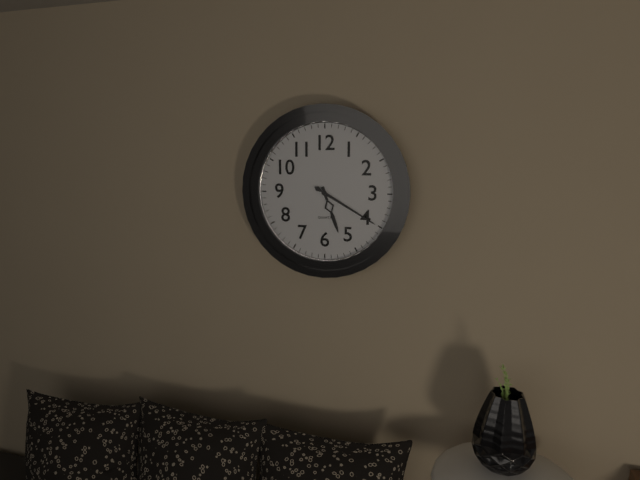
5 h 20 min
